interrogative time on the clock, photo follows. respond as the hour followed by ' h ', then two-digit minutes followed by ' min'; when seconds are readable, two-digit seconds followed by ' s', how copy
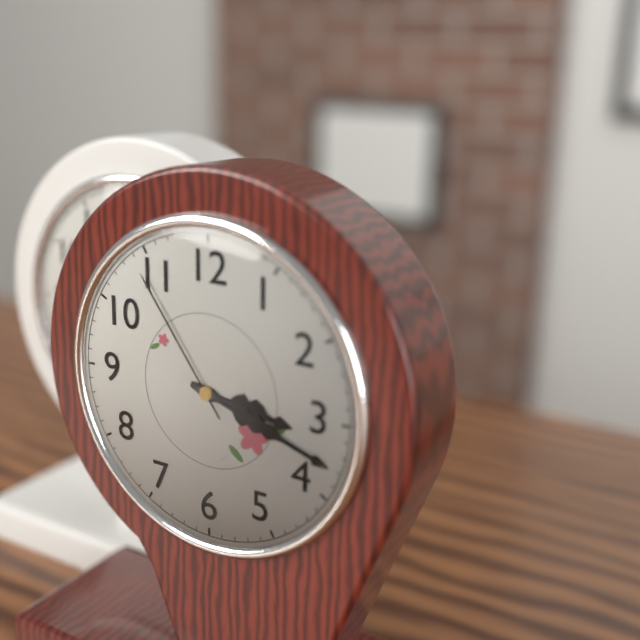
3 h 18 min 54 s
